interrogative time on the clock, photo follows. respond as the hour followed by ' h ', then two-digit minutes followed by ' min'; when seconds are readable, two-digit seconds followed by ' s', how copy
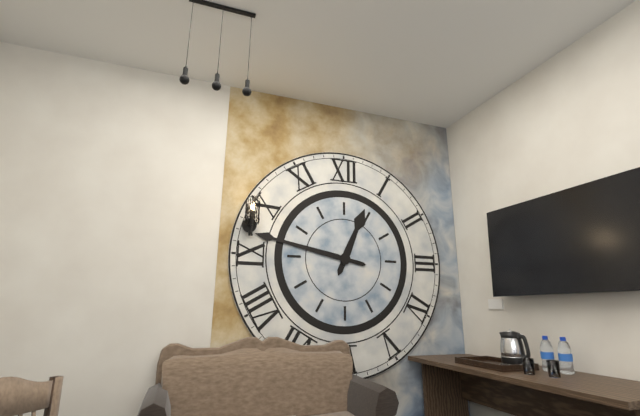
12 h 47 min
